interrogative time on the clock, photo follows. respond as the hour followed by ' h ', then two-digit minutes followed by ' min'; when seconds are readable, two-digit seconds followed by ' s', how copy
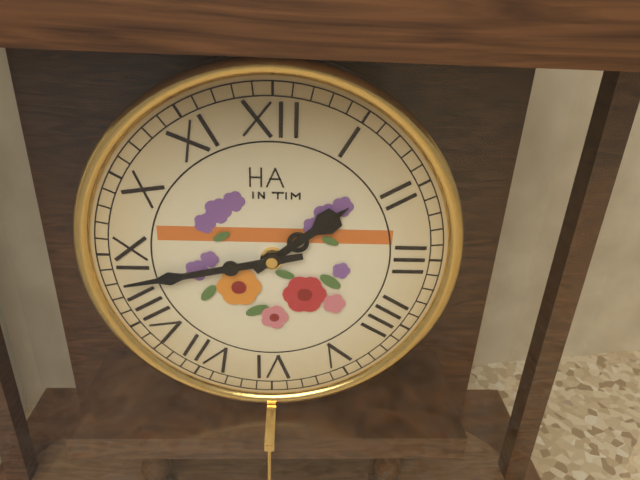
1 h 43 min
